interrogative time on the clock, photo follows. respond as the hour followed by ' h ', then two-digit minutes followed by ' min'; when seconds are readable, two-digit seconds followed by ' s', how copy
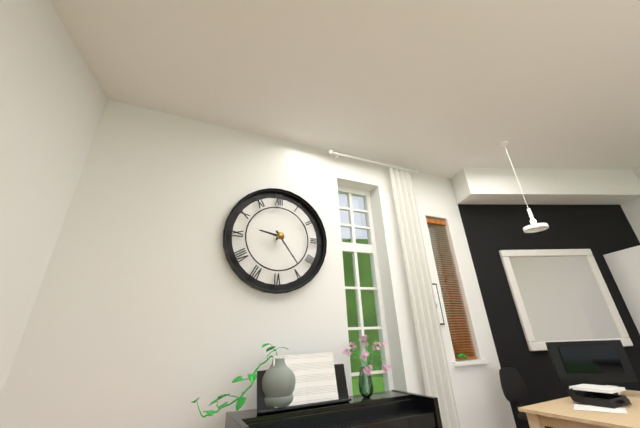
9 h 24 min
